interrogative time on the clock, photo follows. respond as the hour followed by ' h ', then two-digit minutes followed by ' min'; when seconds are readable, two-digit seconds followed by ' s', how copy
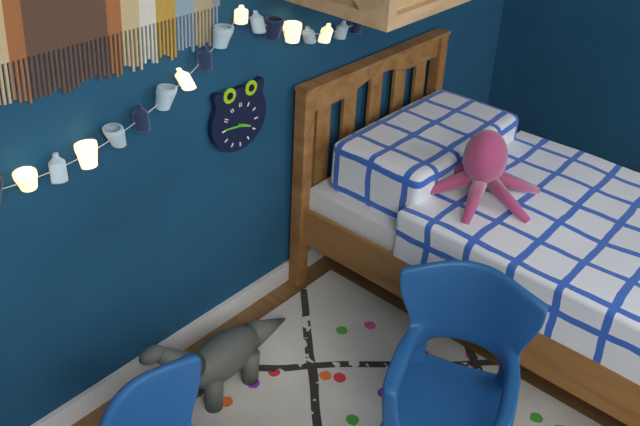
3 h 46 min
